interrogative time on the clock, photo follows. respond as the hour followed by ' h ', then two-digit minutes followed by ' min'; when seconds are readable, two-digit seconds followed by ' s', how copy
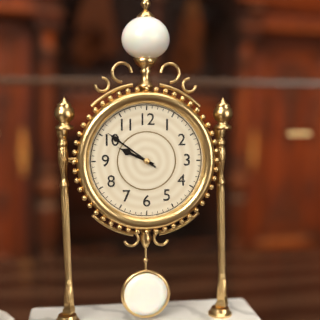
9 h 51 min
